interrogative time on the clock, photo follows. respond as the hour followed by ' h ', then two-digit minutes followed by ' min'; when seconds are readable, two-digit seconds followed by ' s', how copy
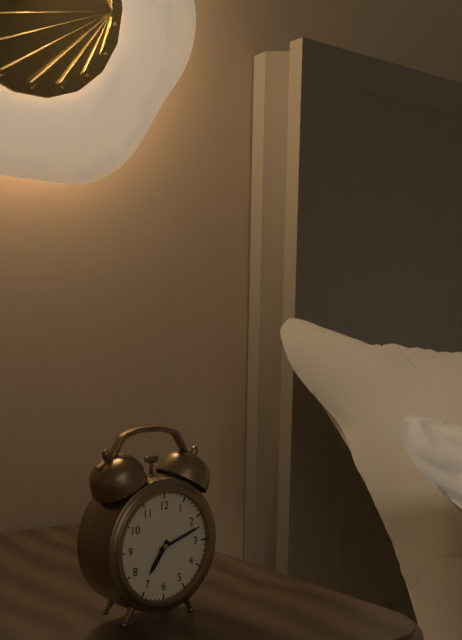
7 h 12 min
